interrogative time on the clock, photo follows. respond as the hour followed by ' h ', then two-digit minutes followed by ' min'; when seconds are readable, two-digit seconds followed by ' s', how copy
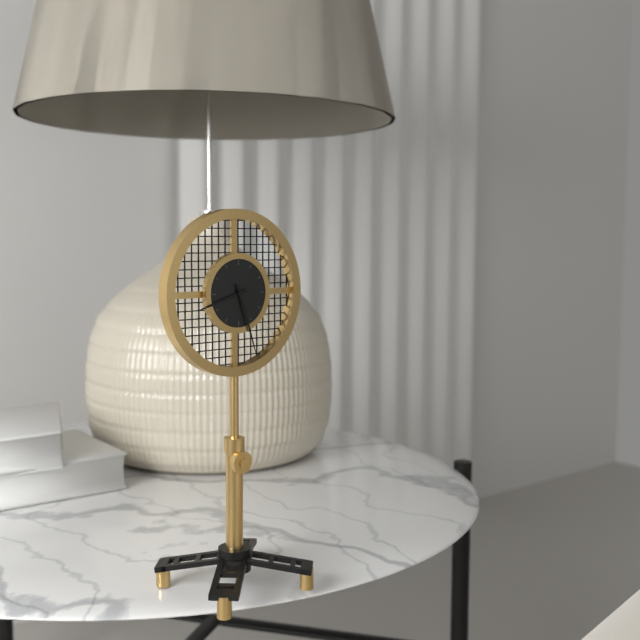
8 h 27 min
